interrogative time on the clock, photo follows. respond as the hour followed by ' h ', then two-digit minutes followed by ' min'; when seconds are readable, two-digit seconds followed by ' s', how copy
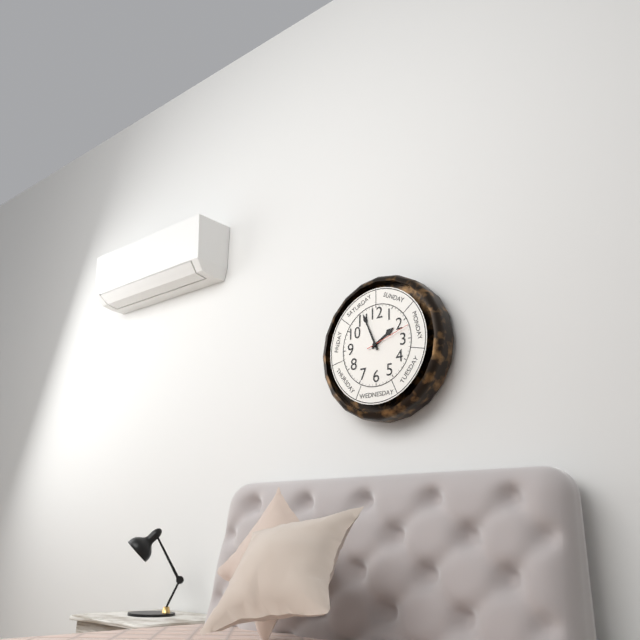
1 h 56 min
